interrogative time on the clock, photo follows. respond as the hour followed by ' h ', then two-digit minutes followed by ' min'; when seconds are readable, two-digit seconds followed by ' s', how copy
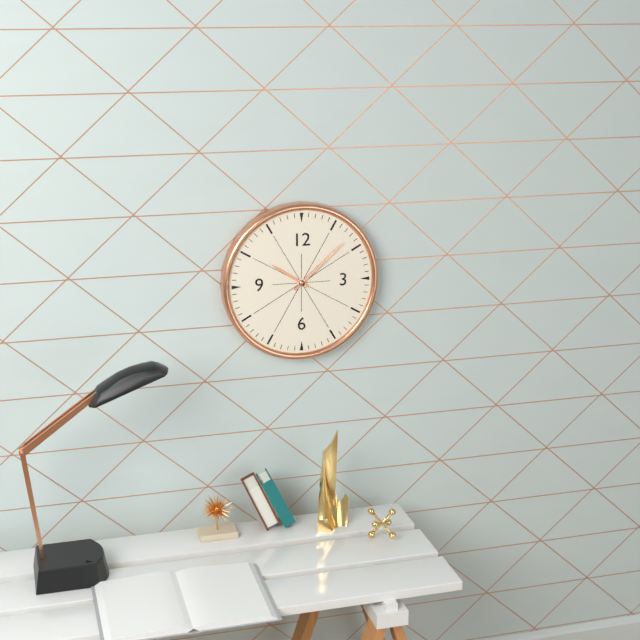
10 h 08 min
